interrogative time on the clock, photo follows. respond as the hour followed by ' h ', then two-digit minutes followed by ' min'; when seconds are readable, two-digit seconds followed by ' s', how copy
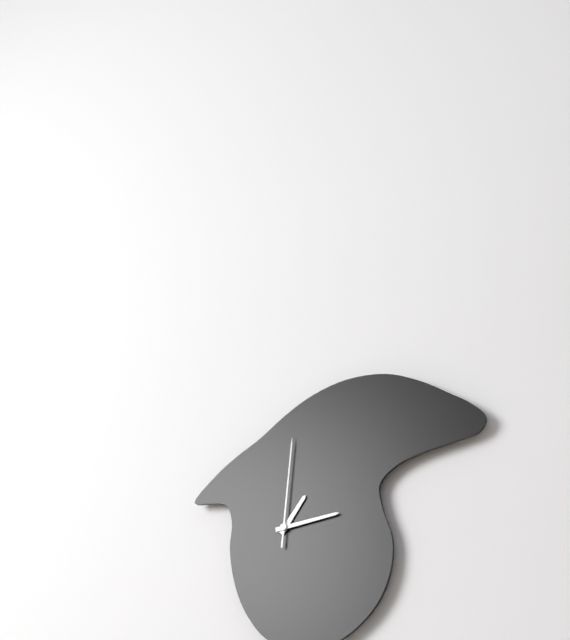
1 h 14 min 01 s
